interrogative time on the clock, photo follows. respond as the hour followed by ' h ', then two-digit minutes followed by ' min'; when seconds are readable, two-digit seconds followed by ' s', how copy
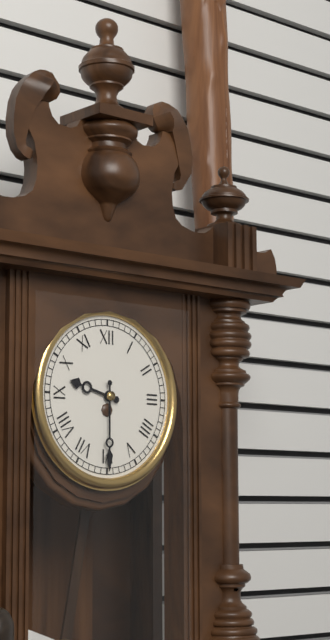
9 h 30 min
